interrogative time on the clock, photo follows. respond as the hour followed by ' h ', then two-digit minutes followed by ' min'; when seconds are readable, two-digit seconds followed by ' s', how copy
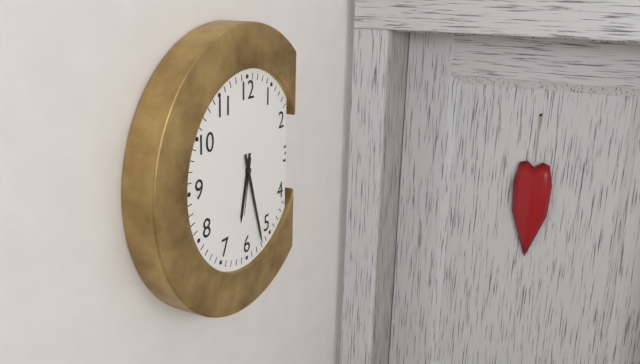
6 h 27 min 32 s
